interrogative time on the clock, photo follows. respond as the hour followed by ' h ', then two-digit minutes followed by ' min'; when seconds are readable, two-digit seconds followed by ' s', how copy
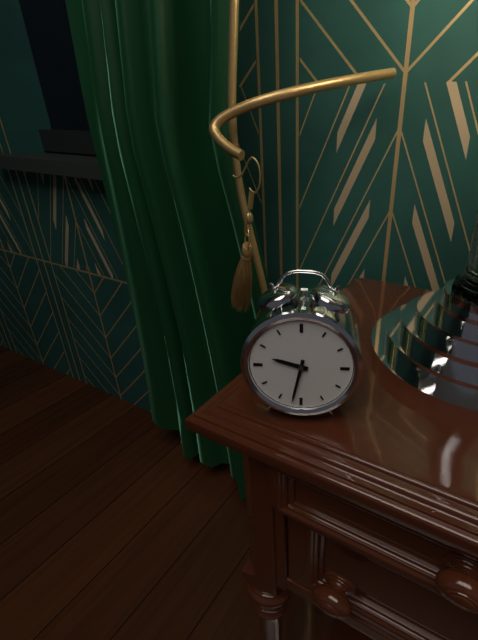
9 h 32 min
